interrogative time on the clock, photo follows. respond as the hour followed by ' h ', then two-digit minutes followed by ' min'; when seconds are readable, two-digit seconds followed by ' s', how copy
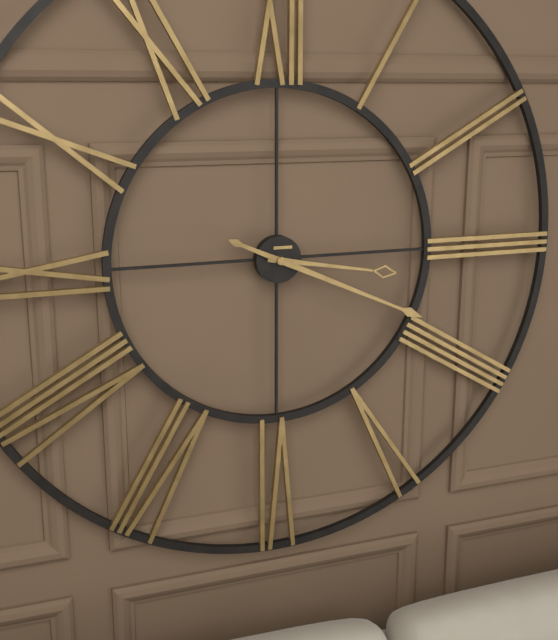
3 h 19 min
